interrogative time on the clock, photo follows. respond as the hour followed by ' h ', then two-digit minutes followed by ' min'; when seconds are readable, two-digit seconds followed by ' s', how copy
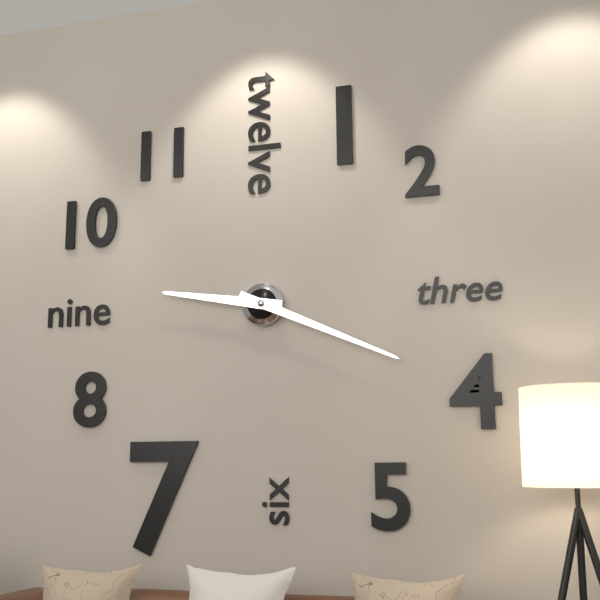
9 h 19 min
